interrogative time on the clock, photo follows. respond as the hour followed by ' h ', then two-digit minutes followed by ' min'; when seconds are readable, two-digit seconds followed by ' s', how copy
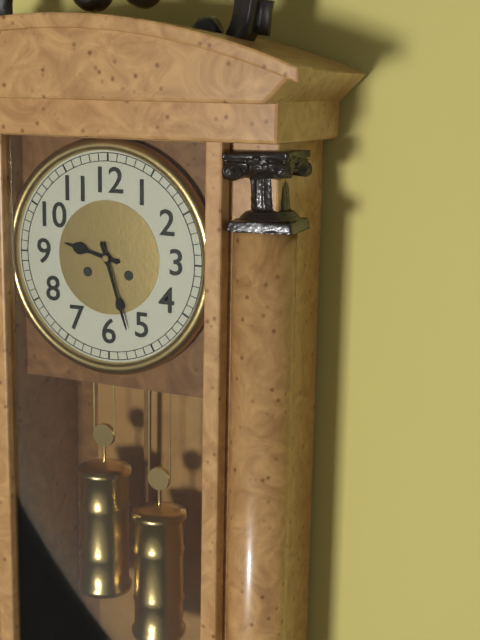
9 h 27 min
